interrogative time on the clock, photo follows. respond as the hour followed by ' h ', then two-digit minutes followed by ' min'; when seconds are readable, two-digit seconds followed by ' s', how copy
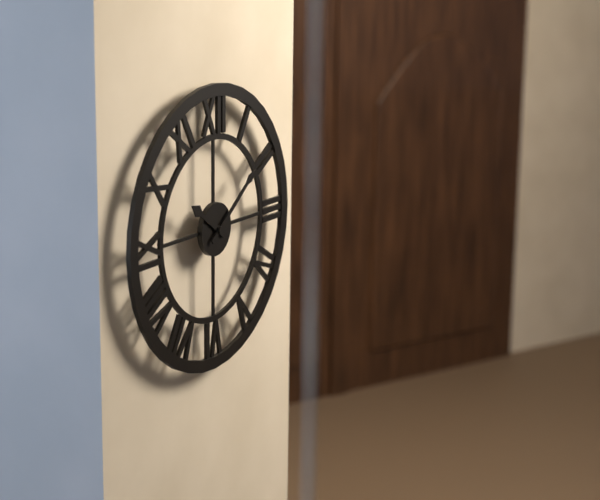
10 h 09 min
